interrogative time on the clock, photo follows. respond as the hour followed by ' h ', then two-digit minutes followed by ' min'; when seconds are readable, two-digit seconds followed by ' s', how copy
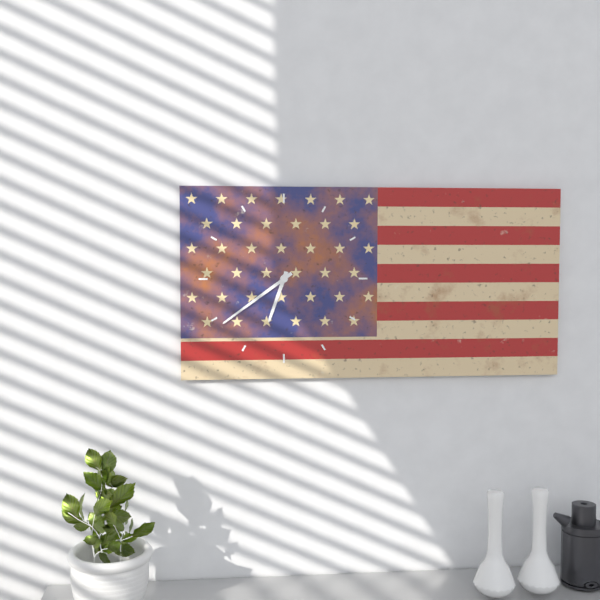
6 h 39 min
